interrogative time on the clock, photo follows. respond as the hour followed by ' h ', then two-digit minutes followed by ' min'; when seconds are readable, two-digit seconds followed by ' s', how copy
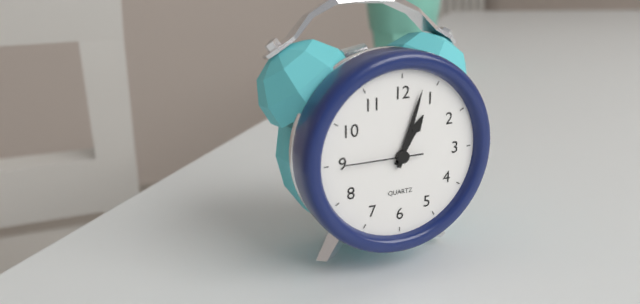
1 h 03 min
